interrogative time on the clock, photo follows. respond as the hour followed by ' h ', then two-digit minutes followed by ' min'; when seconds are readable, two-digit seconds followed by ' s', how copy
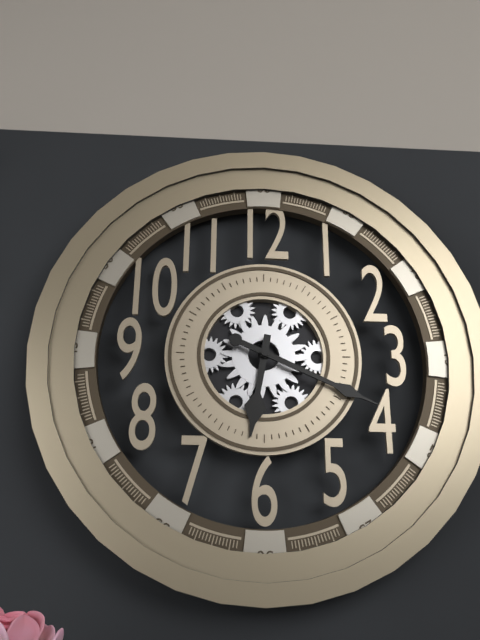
6 h 19 min
